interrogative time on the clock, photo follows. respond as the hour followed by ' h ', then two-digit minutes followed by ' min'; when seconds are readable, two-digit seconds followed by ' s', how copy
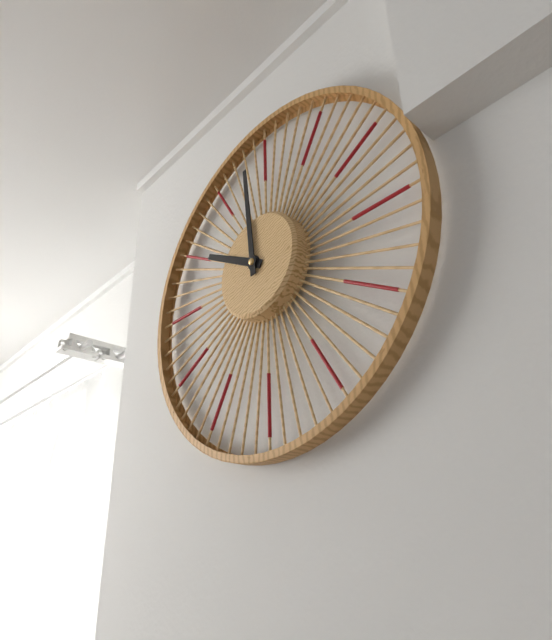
9 h 59 min
